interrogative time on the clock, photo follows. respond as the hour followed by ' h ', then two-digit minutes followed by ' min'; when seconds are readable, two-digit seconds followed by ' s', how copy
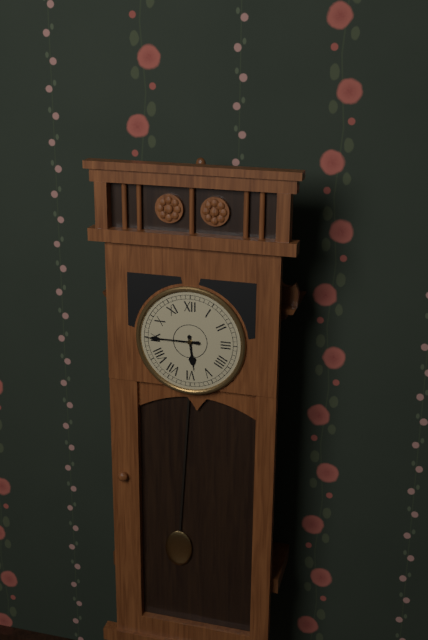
5 h 45 min
